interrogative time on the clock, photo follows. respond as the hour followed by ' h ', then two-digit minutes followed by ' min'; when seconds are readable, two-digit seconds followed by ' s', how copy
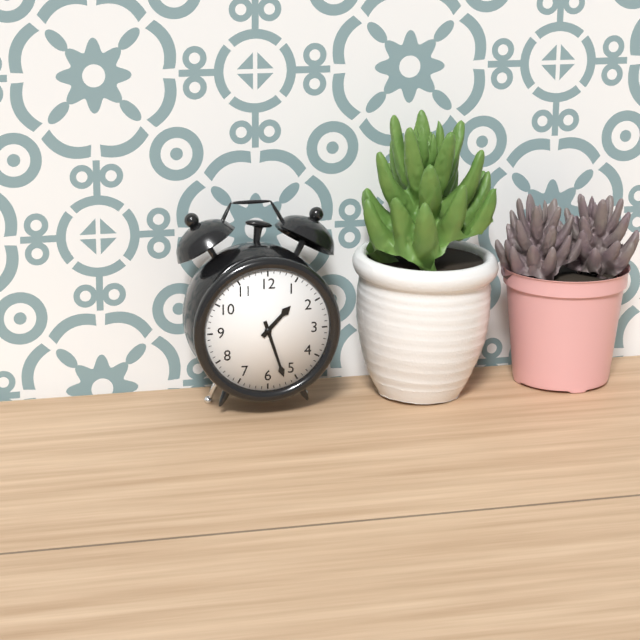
1 h 27 min
